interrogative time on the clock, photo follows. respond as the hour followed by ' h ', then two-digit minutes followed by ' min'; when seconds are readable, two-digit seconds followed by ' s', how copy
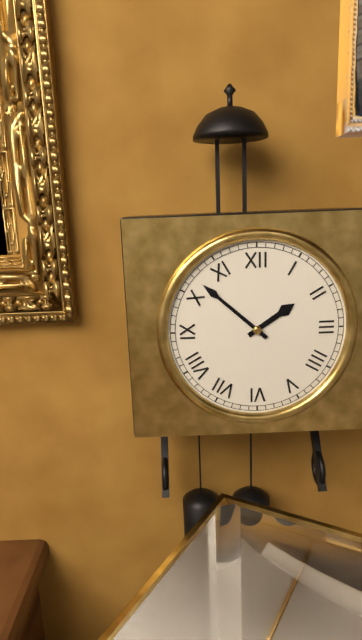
1 h 52 min
